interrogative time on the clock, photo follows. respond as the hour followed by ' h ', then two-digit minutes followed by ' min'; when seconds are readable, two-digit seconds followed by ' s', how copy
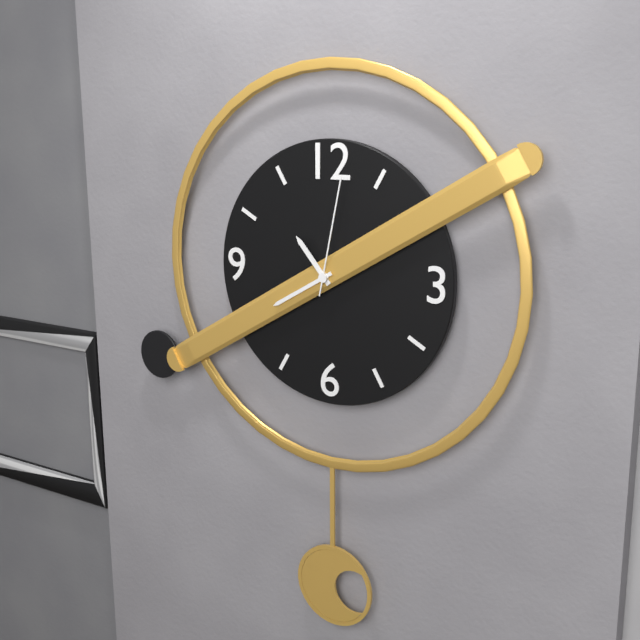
10 h 40 min 02 s
